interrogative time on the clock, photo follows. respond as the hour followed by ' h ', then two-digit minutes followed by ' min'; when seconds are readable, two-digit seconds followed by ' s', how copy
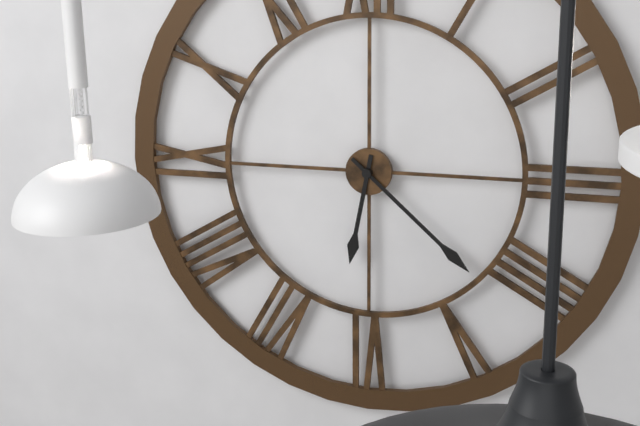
6 h 22 min
